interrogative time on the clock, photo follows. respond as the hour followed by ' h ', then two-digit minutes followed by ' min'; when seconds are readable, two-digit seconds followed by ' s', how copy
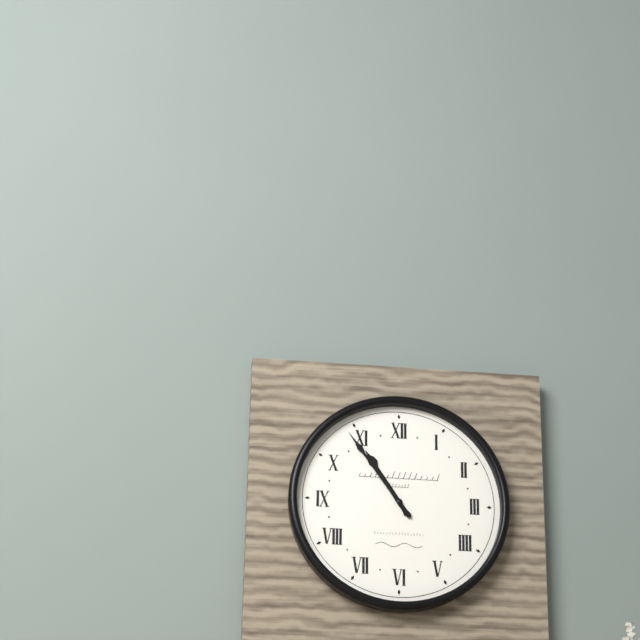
10 h 54 min
